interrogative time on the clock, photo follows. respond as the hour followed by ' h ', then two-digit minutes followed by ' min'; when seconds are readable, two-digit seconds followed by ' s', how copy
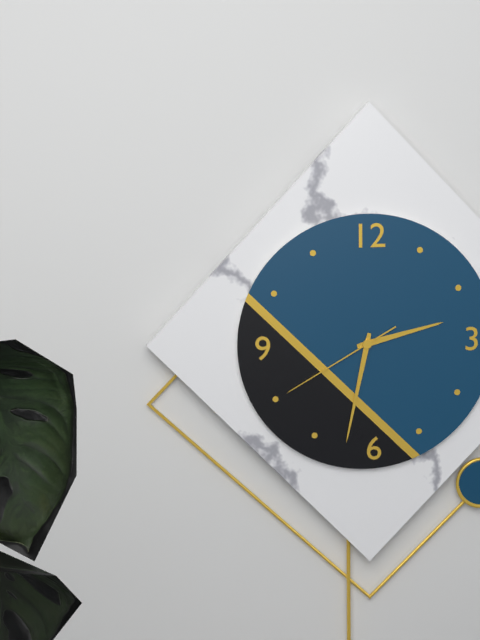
2 h 32 min 40 s
